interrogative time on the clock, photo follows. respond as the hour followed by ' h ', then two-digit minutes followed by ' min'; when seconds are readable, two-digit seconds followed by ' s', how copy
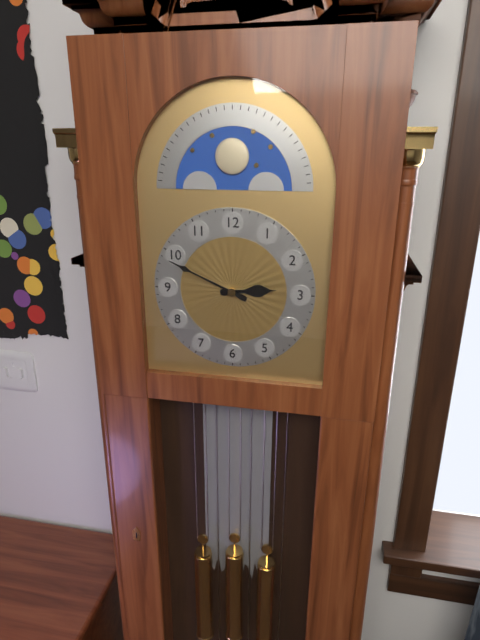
2 h 49 min
